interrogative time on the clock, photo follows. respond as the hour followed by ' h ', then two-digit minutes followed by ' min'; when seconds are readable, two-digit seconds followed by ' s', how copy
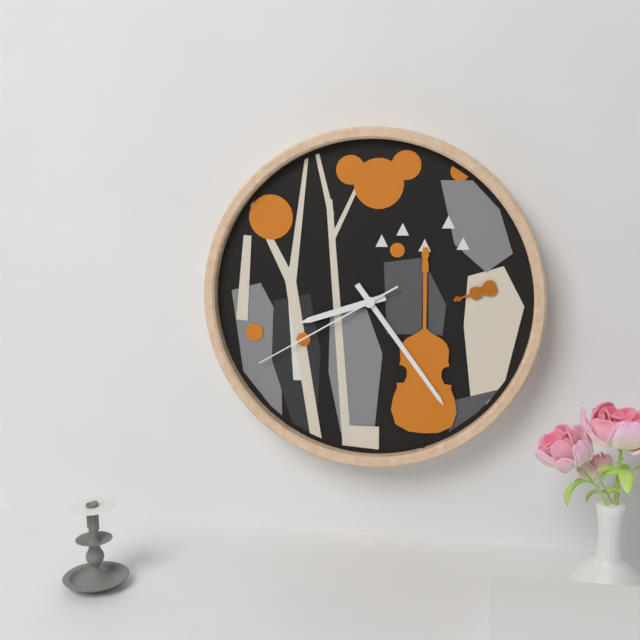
8 h 24 min 40 s
